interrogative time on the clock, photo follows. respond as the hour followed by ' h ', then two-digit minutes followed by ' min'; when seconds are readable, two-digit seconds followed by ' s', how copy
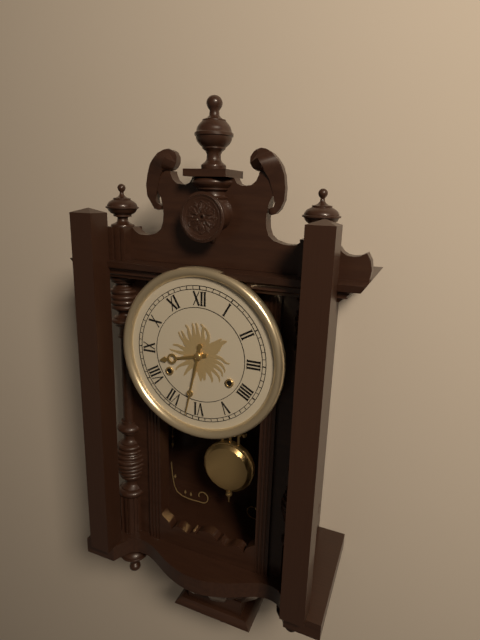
8 h 32 min
